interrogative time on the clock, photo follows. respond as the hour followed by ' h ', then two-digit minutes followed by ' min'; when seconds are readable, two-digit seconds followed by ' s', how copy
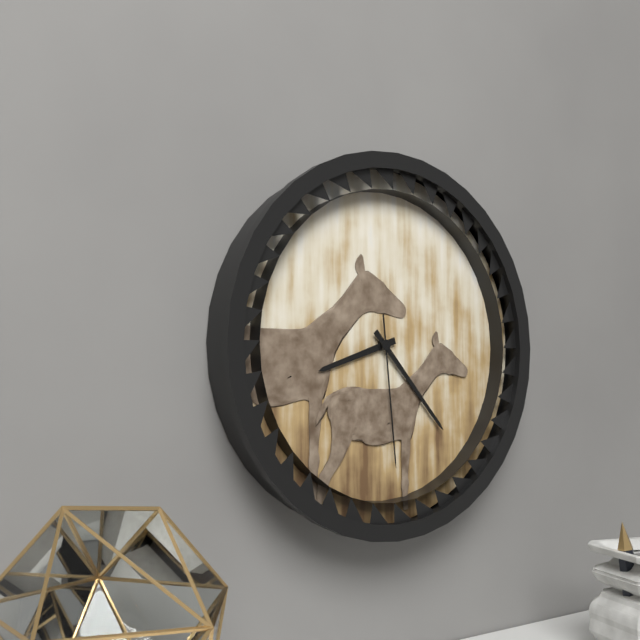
8 h 23 min 29 s
